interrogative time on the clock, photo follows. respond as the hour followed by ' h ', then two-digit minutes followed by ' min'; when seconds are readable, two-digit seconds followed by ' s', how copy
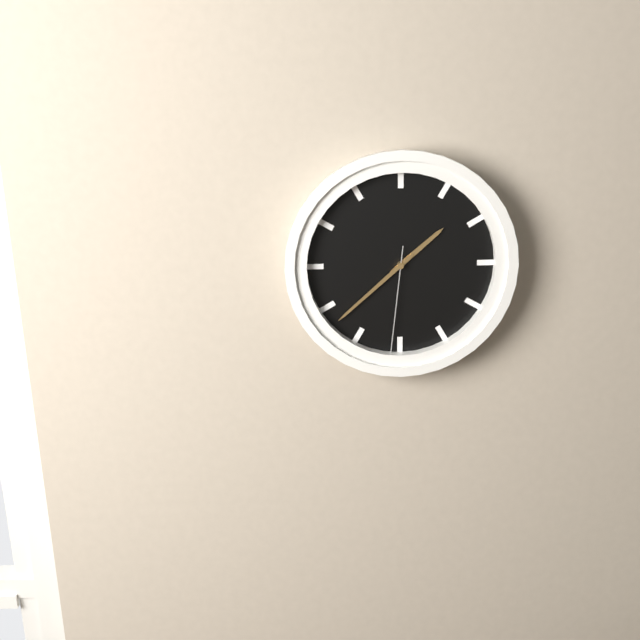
1 h 38 min 31 s
